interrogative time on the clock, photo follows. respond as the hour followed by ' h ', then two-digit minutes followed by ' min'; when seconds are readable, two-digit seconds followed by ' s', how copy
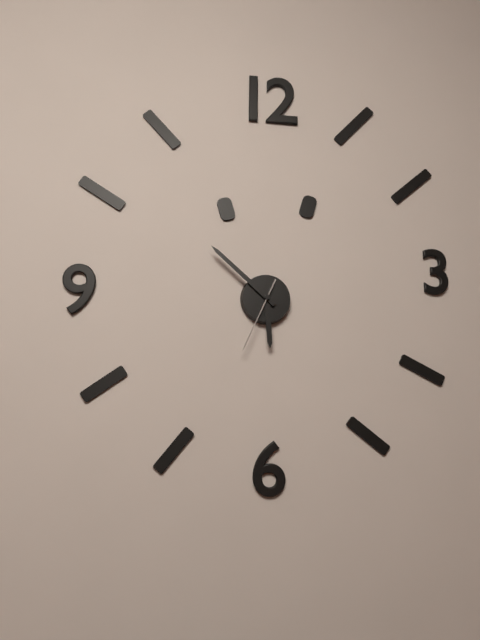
5 h 52 min 34 s
